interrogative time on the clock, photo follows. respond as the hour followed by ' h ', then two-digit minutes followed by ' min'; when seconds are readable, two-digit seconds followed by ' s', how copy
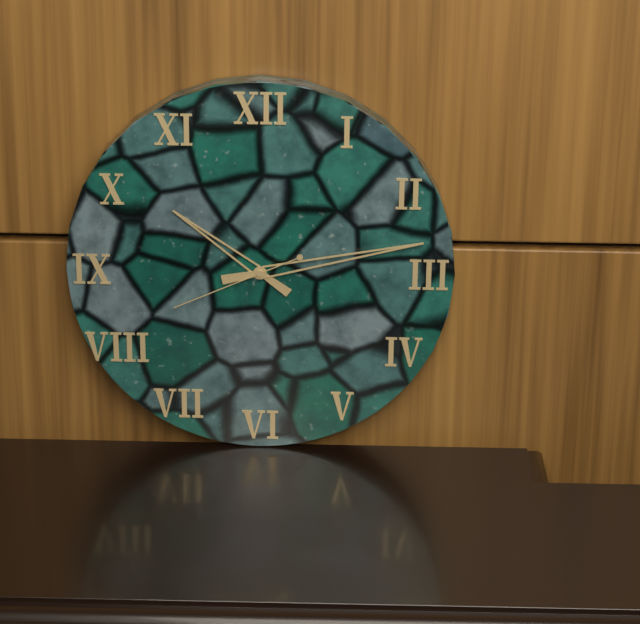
10 h 13 min 41 s
